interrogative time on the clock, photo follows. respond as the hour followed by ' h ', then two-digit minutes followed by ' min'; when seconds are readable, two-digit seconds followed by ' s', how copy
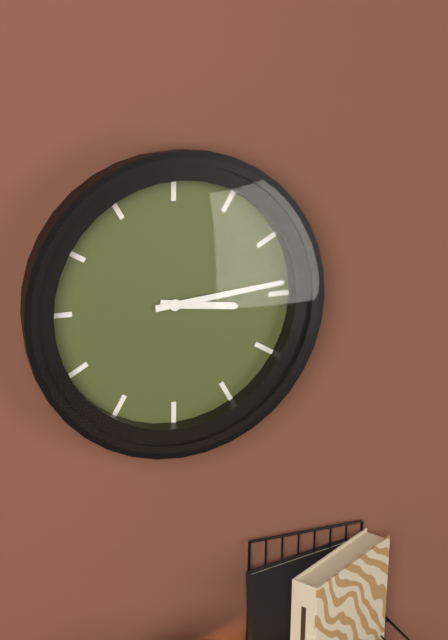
3 h 14 min
